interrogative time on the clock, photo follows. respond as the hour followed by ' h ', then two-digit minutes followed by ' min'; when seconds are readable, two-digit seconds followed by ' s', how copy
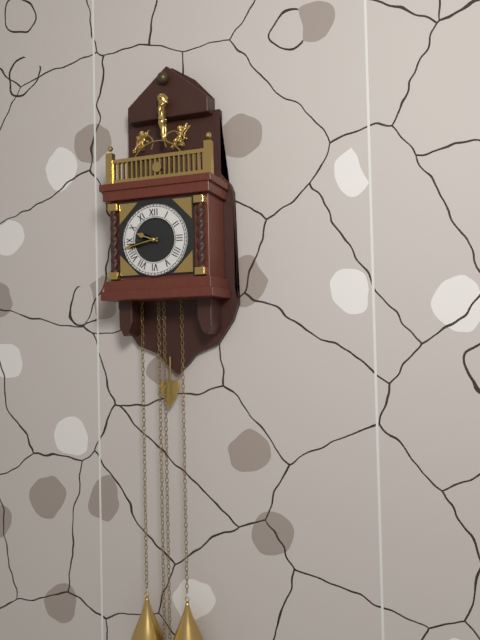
9 h 43 min
